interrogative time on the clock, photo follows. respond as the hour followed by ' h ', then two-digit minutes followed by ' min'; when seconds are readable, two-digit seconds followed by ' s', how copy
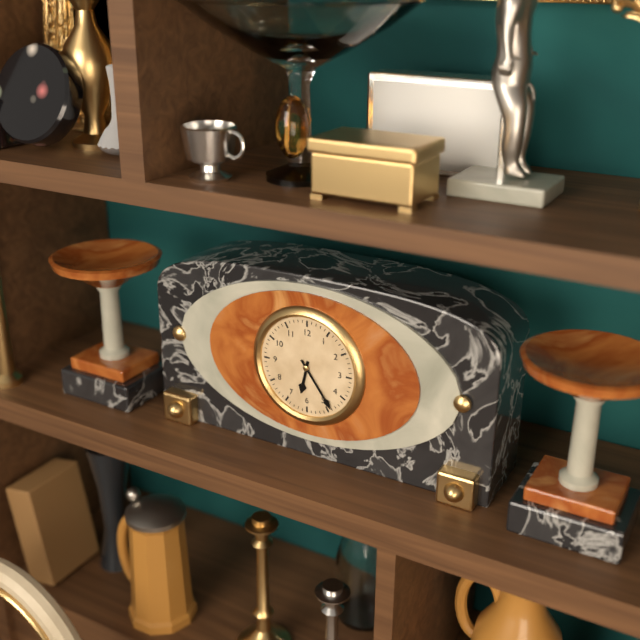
6 h 24 min
